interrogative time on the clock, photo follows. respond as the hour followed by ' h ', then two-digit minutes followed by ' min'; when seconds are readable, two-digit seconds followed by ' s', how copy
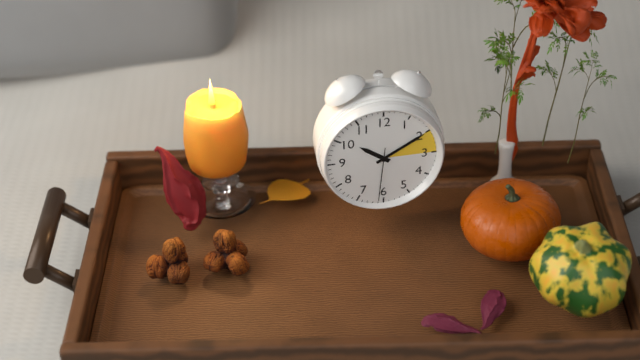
10 h 10 min 31 s
